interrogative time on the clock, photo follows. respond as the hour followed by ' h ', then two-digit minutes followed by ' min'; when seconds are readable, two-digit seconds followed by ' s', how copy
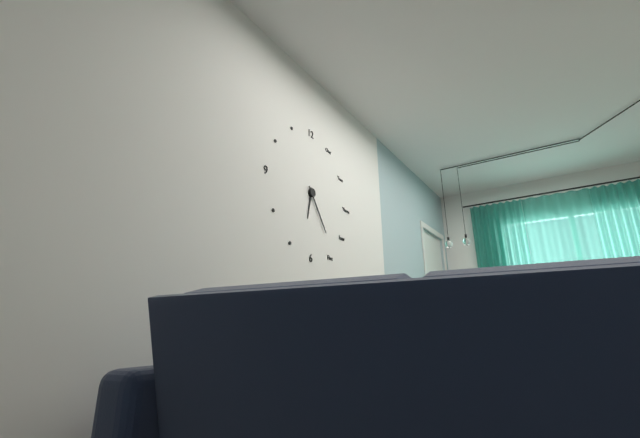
6 h 24 min
